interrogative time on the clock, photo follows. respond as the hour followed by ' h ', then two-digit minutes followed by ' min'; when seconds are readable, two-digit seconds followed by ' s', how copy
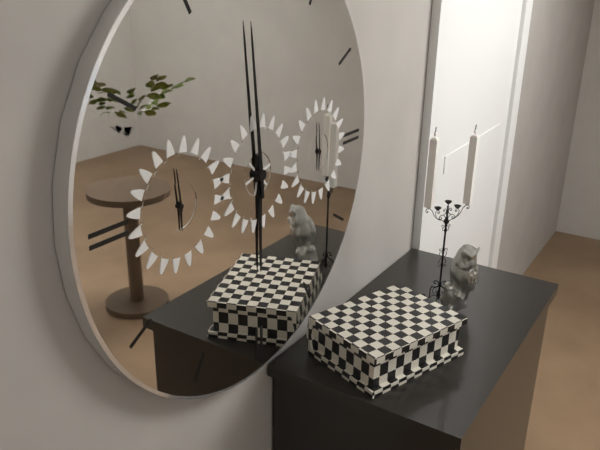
5 h 59 min
